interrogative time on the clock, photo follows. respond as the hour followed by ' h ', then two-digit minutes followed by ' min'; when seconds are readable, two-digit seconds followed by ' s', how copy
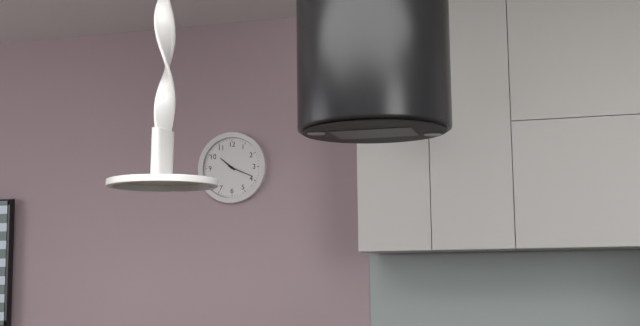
10 h 19 min
